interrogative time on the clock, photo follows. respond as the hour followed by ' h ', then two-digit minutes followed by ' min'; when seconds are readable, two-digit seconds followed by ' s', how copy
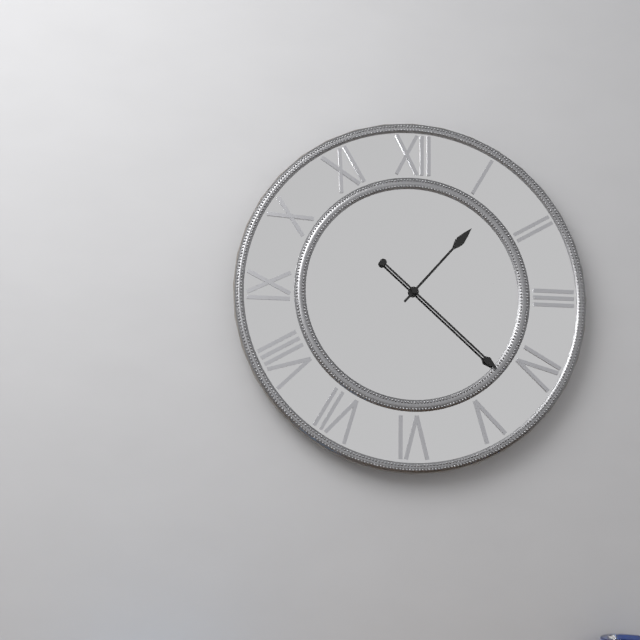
1 h 22 min
